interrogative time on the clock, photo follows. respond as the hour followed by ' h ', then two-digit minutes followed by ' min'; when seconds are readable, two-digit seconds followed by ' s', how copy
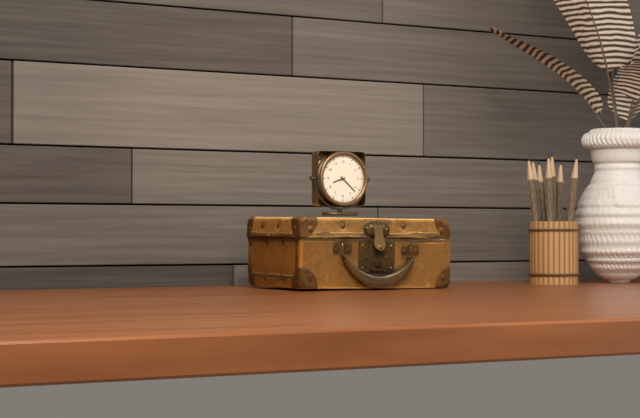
8 h 22 min
